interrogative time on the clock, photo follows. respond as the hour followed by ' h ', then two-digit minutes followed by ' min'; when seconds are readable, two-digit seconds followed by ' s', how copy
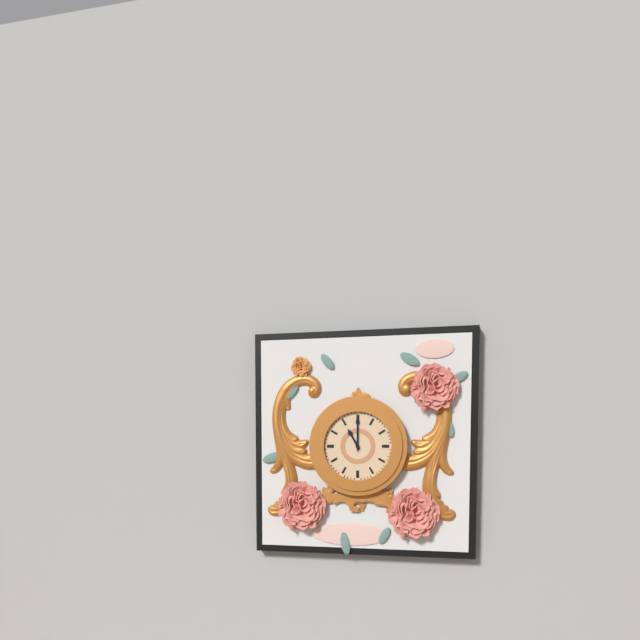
11 h 00 min
